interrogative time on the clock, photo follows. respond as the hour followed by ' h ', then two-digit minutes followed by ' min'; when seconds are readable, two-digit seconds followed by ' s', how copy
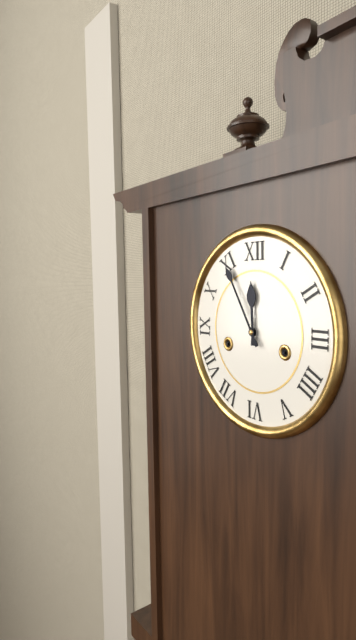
11 h 55 min
